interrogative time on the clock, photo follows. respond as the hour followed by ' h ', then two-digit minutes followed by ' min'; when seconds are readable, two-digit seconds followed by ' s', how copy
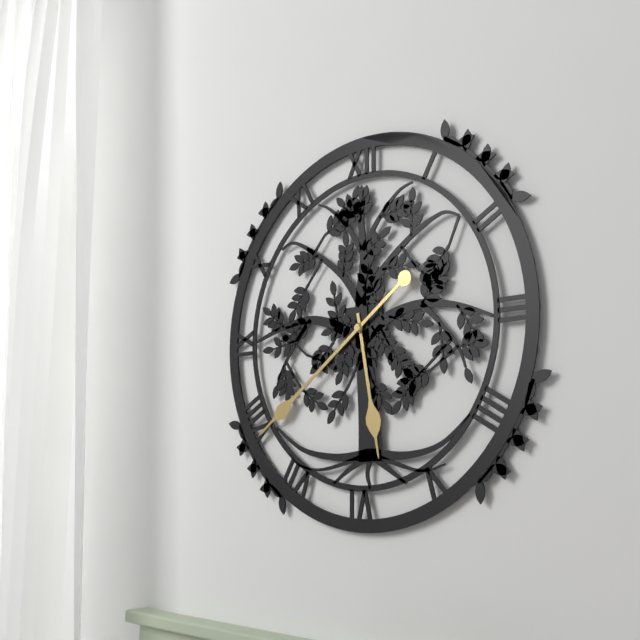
5 h 39 min
